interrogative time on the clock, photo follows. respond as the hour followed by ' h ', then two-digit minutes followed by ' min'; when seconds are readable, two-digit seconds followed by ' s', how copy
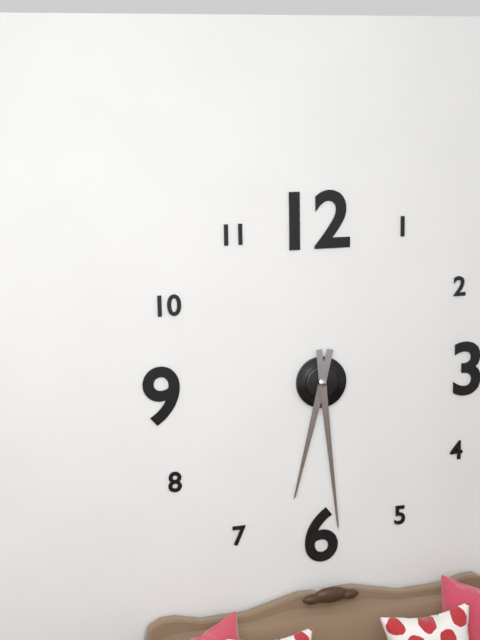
6 h 29 min
